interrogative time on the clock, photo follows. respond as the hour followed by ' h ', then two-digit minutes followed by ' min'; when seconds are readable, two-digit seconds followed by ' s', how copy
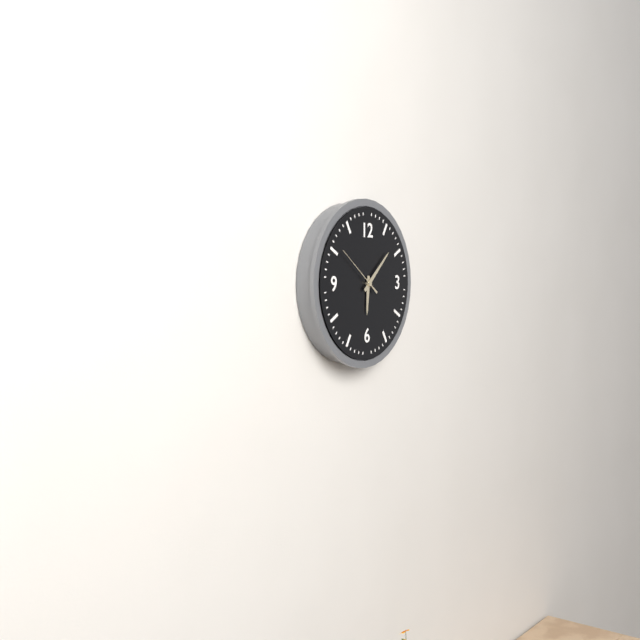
6 h 08 min 51 s
